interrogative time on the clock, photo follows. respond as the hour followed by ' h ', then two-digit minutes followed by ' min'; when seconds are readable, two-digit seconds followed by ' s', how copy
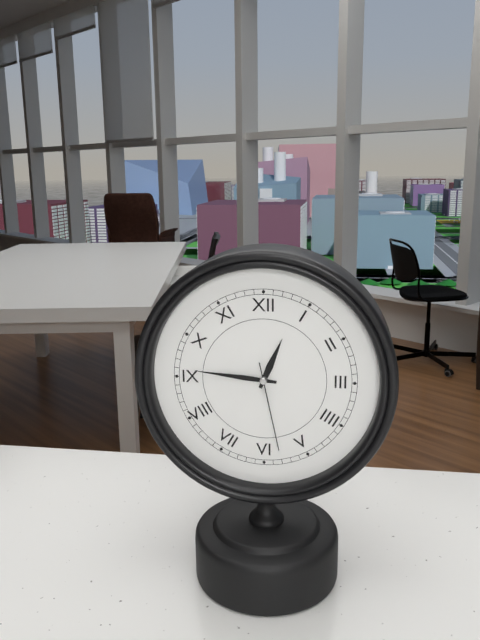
12 h 46 min 28 s
